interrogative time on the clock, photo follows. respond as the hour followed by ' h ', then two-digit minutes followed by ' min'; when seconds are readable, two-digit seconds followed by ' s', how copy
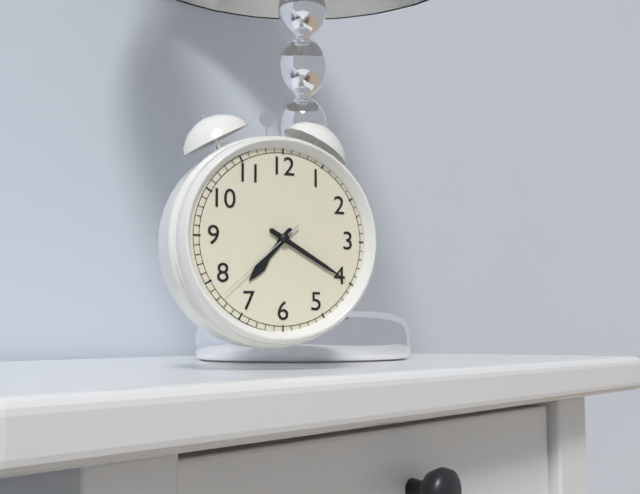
7 h 20 min 38 s
